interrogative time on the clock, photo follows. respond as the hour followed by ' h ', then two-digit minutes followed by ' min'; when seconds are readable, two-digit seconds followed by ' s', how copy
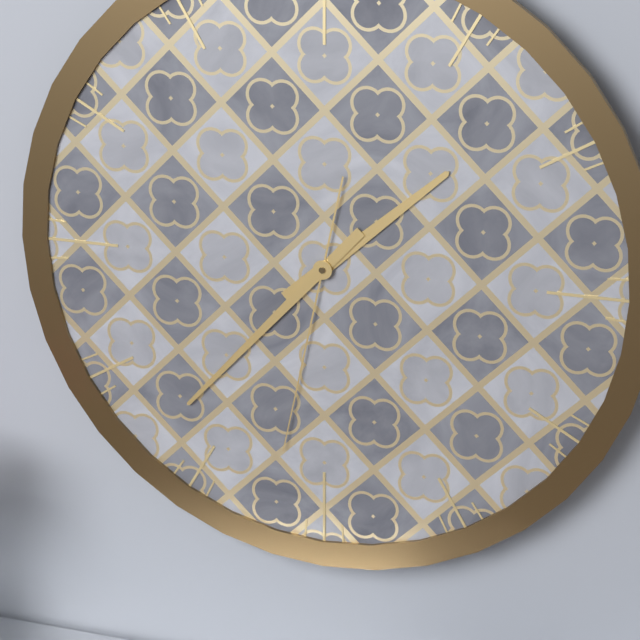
1 h 37 min 32 s
